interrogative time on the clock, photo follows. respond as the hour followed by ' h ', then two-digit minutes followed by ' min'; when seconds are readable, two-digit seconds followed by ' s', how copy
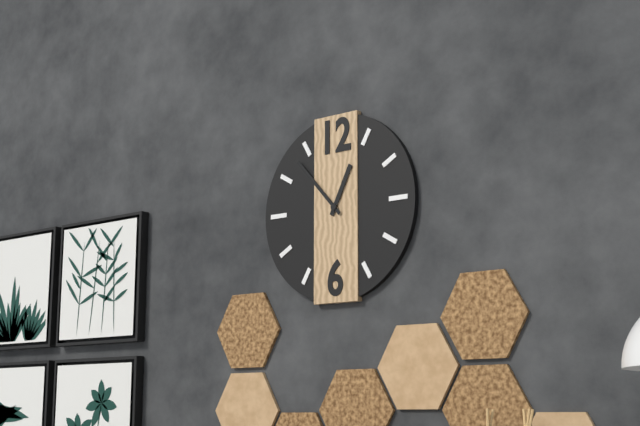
12 h 53 min
